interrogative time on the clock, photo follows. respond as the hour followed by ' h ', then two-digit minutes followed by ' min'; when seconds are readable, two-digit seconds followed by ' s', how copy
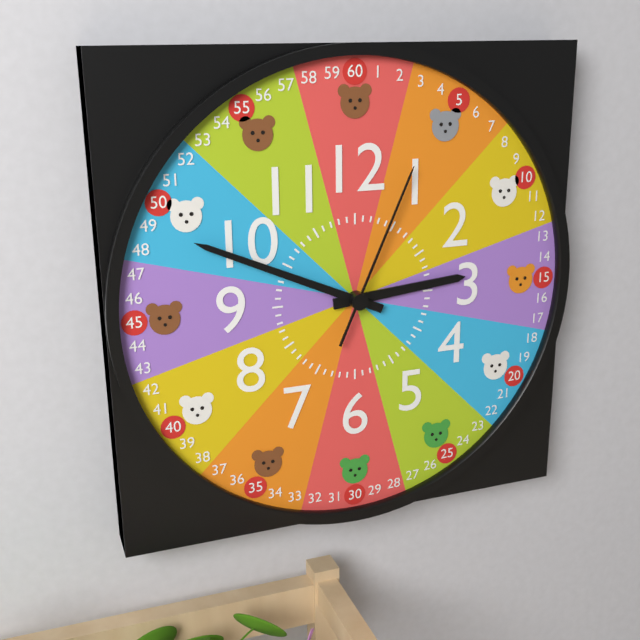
2 h 49 min 04 s
